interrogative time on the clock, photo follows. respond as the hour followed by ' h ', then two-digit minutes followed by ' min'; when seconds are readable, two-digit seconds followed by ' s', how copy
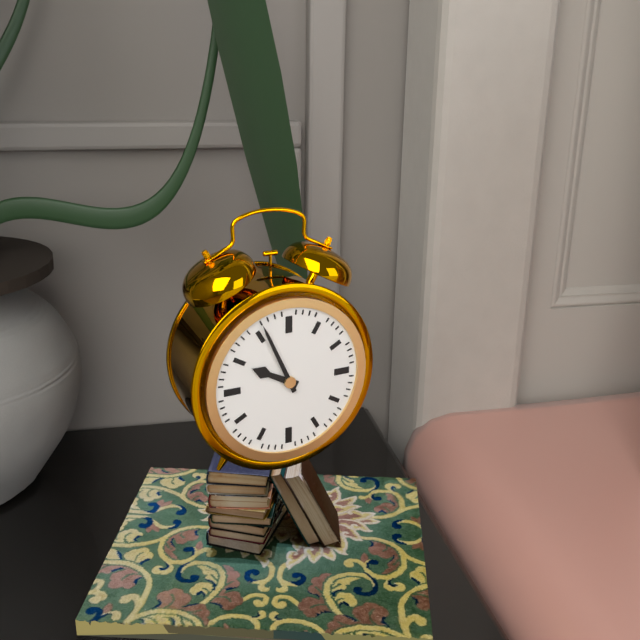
9 h 56 min
